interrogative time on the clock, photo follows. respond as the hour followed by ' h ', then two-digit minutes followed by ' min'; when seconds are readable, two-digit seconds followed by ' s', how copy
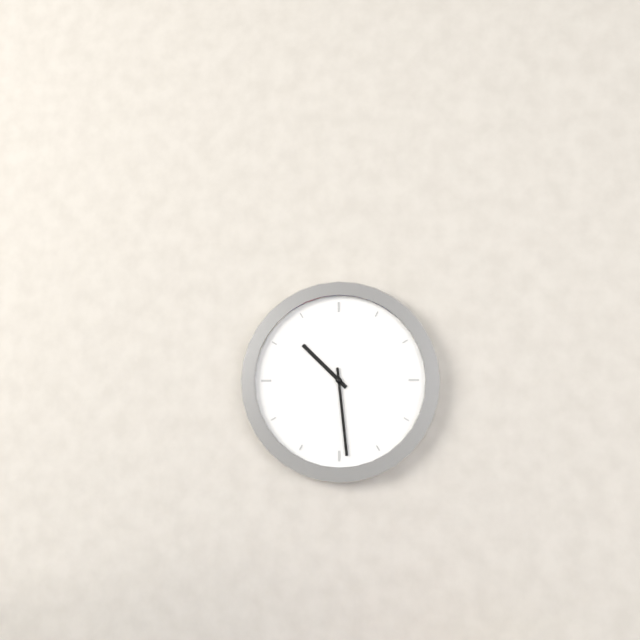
10 h 29 min
